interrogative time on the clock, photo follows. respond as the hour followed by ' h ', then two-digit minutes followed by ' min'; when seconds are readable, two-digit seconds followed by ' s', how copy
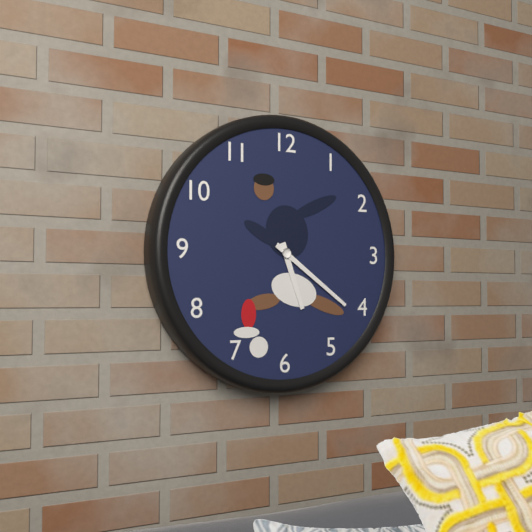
5 h 21 min
